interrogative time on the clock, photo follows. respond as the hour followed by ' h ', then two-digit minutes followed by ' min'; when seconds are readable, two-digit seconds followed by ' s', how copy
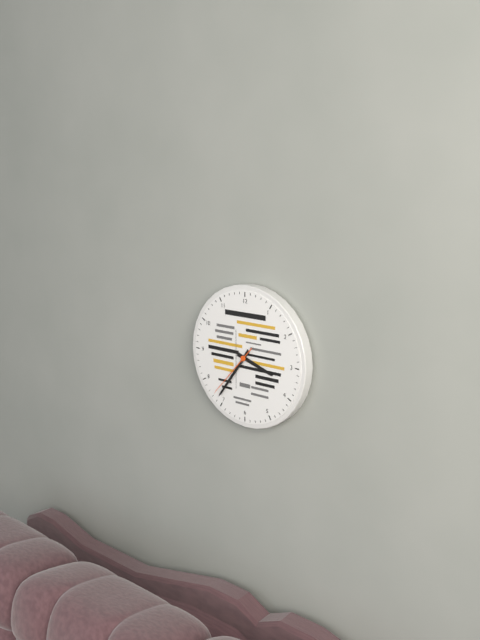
3 h 36 min 37 s
